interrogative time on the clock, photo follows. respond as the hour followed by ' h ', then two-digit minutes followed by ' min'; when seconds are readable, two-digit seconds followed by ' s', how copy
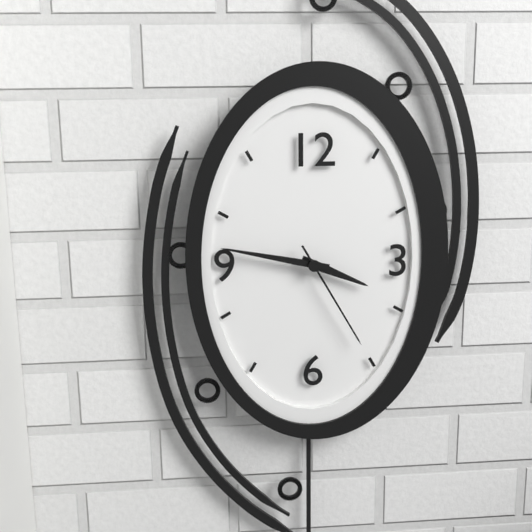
3 h 47 min 25 s
